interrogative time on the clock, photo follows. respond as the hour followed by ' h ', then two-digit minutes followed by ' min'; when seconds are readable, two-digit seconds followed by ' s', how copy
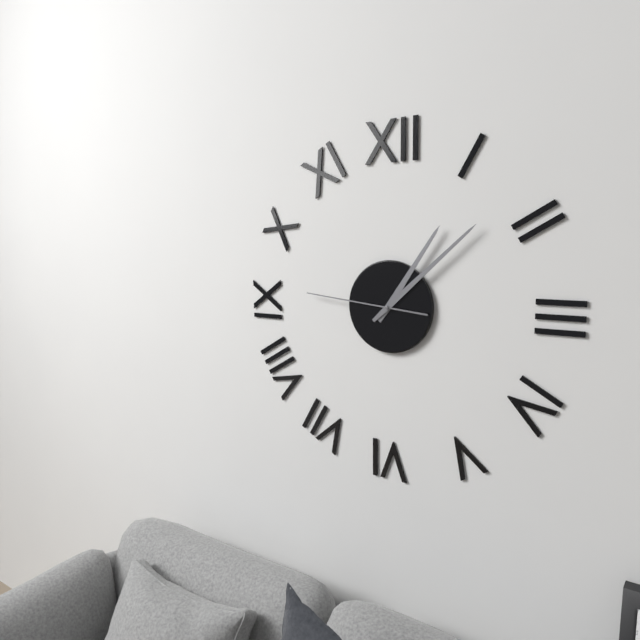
1 h 08 min 46 s
